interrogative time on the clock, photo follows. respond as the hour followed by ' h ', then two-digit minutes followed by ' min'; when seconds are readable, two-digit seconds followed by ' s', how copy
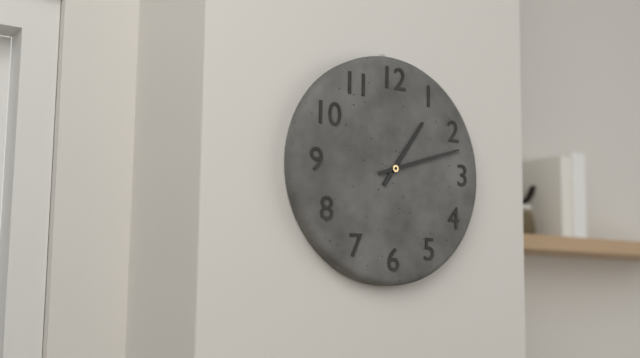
1 h 12 min
